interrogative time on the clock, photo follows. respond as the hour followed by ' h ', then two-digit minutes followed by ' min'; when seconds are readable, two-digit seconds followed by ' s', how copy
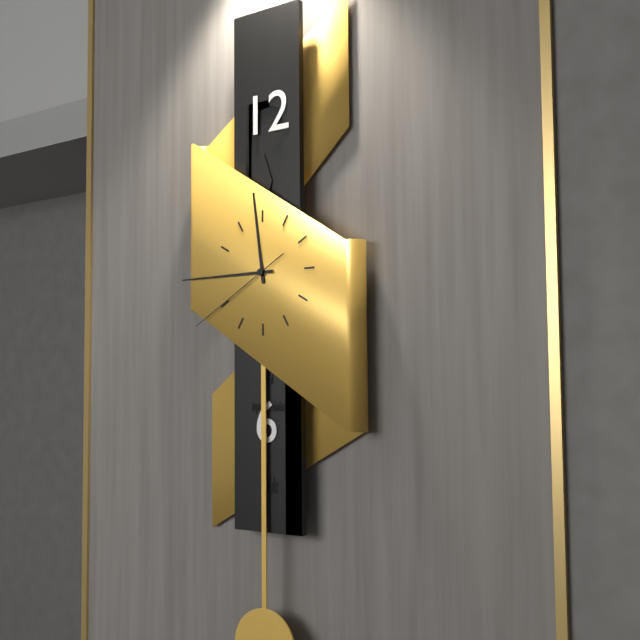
11 h 45 min 40 s
